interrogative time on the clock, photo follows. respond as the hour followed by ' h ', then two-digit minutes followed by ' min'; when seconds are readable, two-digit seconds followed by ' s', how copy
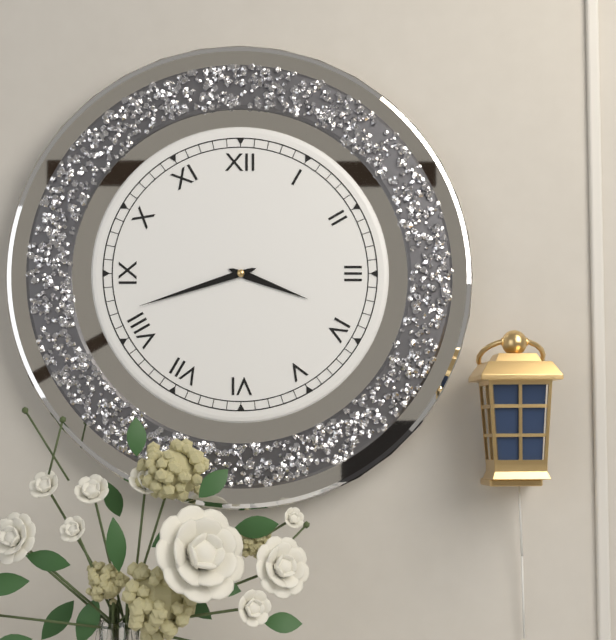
3 h 42 min
